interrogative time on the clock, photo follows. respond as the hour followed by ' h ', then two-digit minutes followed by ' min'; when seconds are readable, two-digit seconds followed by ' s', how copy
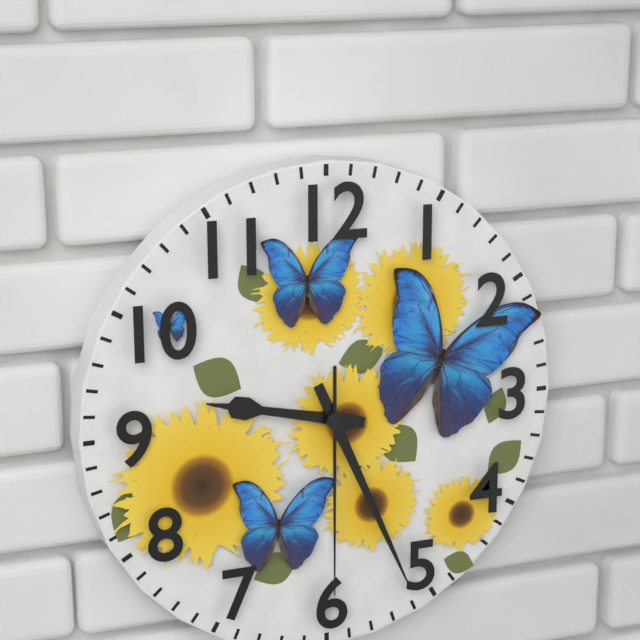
9 h 26 min 30 s
